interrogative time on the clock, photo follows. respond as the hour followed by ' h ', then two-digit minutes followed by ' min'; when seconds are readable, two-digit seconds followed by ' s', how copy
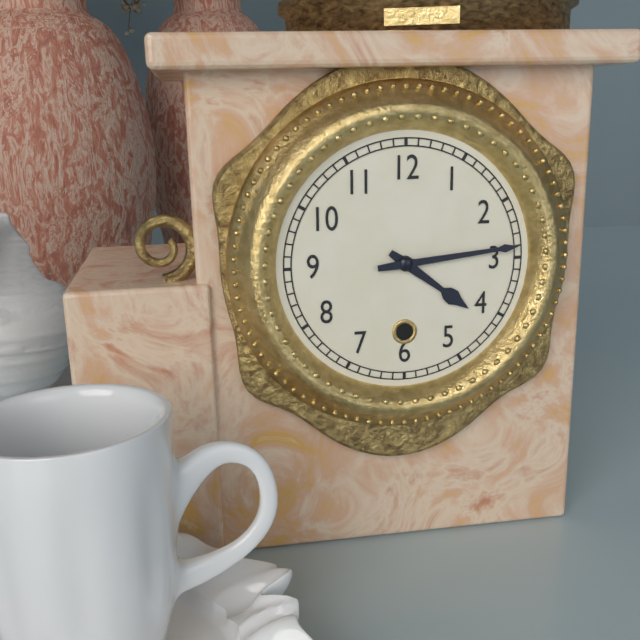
4 h 14 min
